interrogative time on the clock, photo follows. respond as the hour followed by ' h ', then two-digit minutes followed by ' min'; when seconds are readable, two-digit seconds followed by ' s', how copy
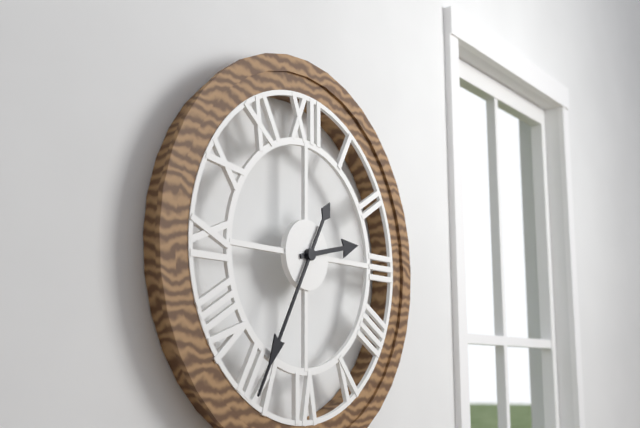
2 h 35 min
